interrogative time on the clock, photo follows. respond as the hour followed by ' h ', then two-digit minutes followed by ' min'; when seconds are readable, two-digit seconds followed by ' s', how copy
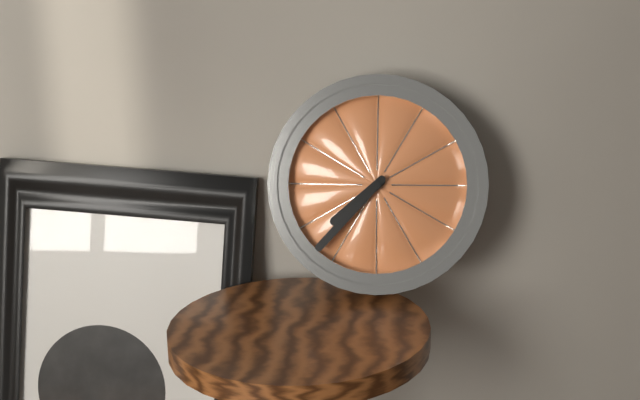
7 h 37 min
